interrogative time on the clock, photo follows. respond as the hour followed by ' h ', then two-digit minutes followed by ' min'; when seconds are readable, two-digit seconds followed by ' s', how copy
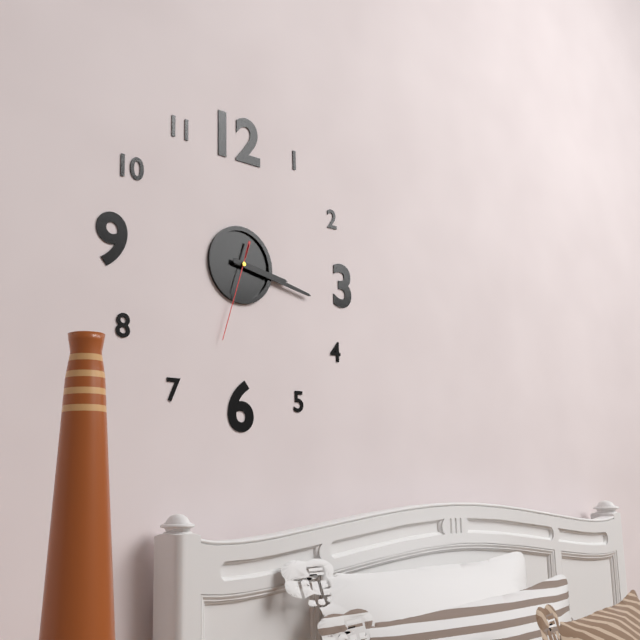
3 h 17 min 33 s
